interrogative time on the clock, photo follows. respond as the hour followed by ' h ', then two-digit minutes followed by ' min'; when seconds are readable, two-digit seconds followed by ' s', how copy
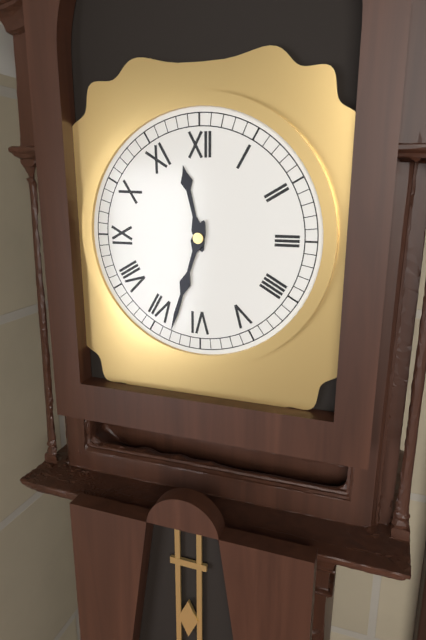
11 h 33 min
